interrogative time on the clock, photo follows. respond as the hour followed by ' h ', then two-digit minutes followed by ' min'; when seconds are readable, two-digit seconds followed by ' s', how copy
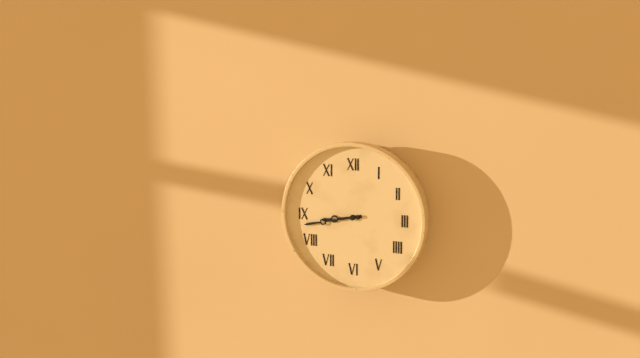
8 h 43 min
